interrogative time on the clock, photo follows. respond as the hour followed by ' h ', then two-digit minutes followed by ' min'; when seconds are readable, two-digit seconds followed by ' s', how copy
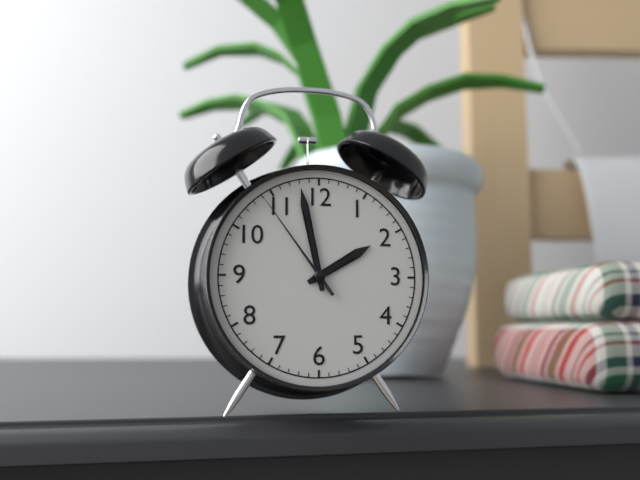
1 h 58 min 54 s
